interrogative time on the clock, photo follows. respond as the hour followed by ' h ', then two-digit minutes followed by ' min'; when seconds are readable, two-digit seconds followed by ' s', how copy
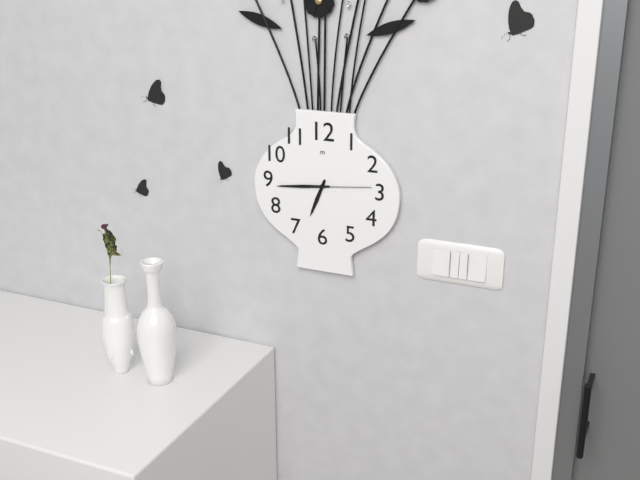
6 h 44 min 14 s
